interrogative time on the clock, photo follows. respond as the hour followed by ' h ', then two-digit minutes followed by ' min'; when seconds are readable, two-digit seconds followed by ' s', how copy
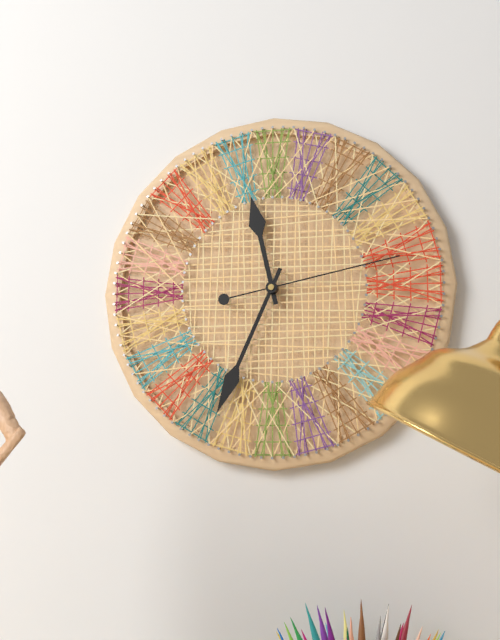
11 h 34 min 13 s
